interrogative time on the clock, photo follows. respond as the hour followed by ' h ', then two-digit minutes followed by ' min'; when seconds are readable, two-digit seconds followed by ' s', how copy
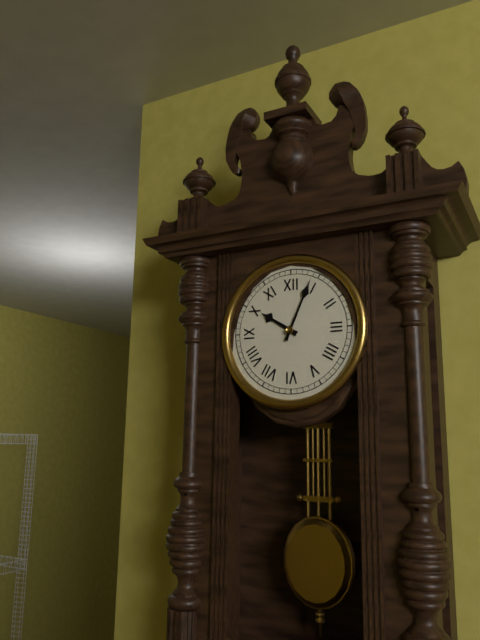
10 h 04 min
